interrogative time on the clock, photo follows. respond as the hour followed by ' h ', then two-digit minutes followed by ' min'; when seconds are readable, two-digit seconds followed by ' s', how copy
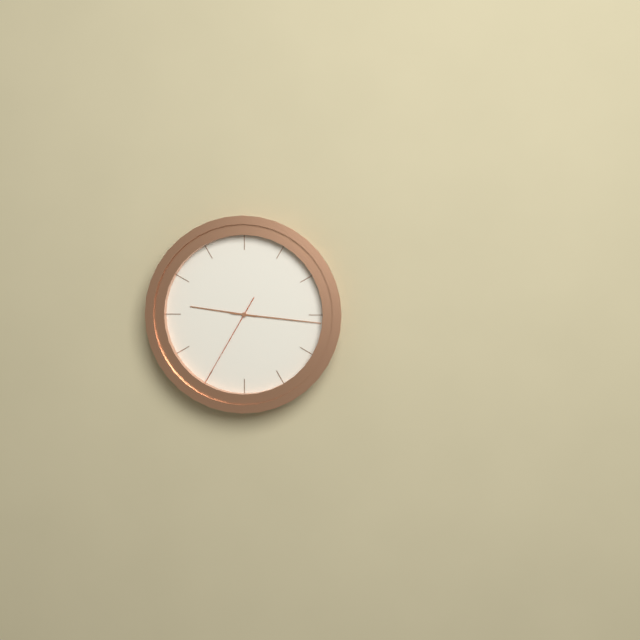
9 h 16 min 35 s
